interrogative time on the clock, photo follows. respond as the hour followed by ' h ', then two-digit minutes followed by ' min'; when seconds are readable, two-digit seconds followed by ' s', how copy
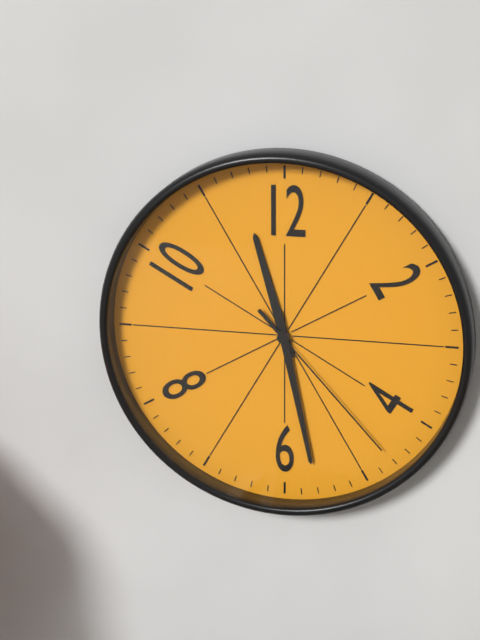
11 h 28 min 23 s
